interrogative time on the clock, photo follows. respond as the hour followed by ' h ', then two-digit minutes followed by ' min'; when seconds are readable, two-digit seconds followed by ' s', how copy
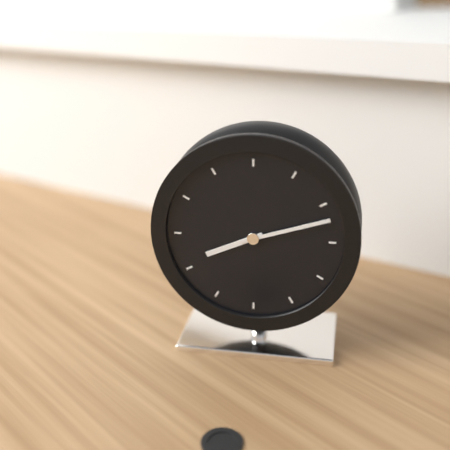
8 h 12 min
